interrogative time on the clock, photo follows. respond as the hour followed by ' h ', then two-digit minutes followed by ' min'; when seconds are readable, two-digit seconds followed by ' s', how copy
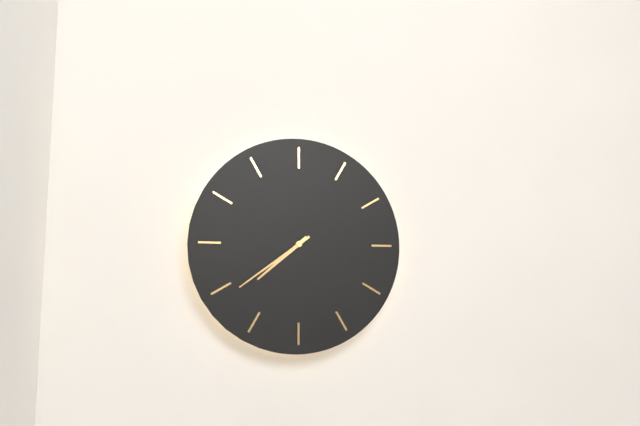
7 h 39 min
